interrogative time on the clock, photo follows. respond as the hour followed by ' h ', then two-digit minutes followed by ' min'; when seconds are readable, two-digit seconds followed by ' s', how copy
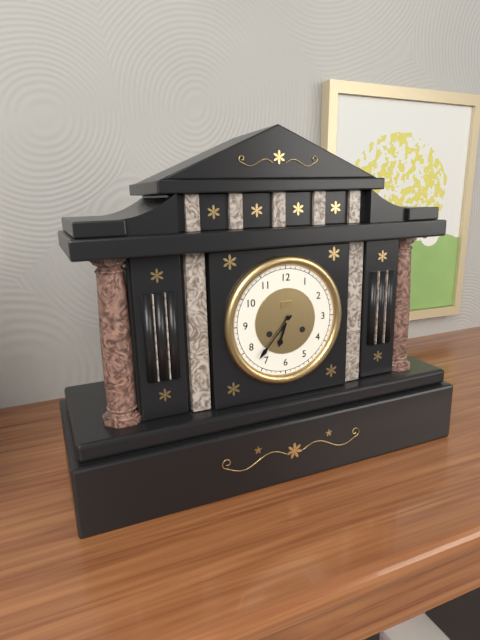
6 h 37 min
